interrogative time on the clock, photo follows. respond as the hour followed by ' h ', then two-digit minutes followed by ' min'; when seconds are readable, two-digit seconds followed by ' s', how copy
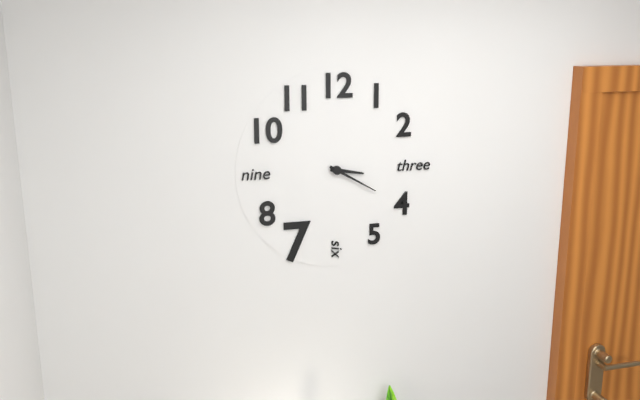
3 h 20 min
